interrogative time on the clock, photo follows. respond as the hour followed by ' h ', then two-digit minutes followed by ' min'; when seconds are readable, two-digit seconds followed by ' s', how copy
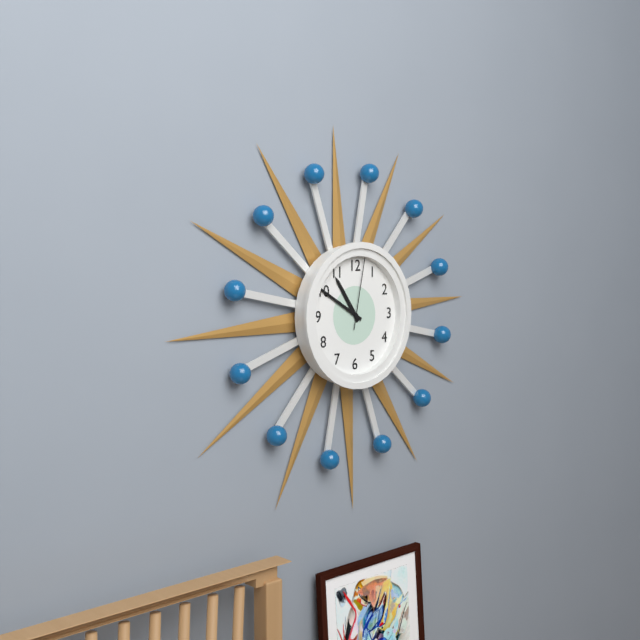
10 h 50 min 02 s
